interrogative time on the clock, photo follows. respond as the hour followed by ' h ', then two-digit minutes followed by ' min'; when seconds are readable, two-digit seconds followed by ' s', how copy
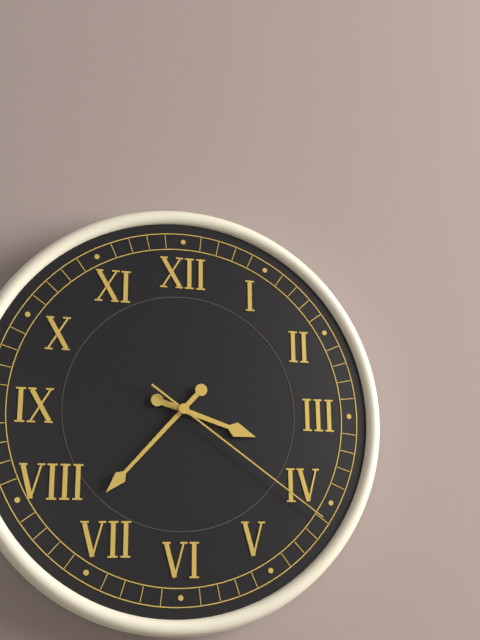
3 h 37 min 21 s
